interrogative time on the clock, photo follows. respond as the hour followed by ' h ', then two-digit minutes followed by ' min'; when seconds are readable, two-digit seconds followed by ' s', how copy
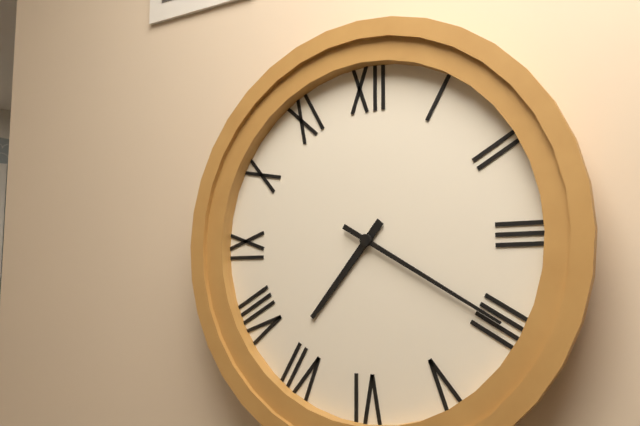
7 h 20 min
